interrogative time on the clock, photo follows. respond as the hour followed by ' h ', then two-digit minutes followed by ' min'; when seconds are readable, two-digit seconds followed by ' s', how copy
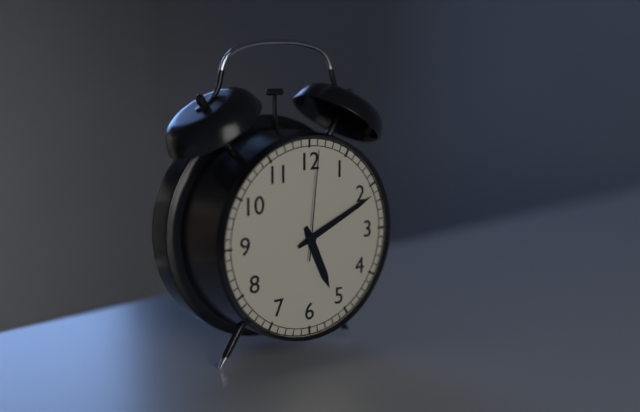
5 h 11 min 01 s
